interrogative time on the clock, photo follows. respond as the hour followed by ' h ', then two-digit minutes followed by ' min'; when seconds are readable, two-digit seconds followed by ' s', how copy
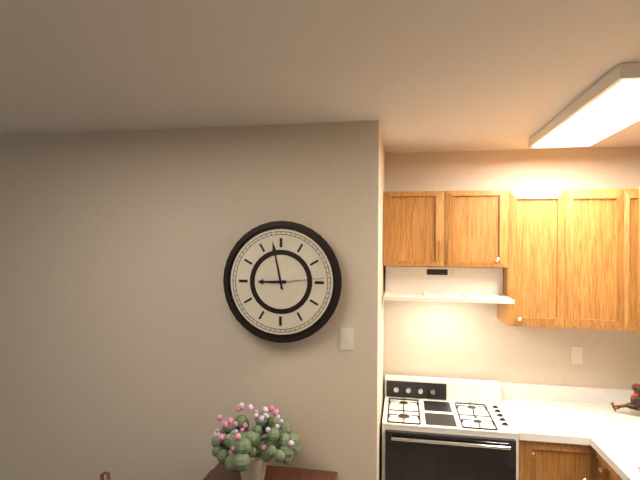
8 h 58 min 14 s
